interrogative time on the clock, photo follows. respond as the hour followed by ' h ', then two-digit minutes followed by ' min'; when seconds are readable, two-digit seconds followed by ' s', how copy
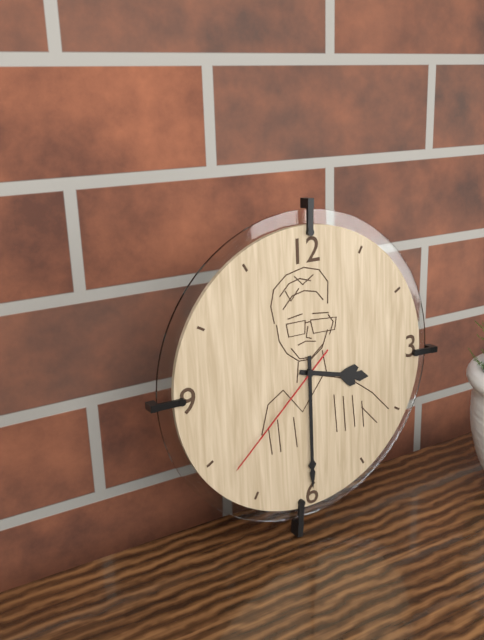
3 h 30 min 38 s
